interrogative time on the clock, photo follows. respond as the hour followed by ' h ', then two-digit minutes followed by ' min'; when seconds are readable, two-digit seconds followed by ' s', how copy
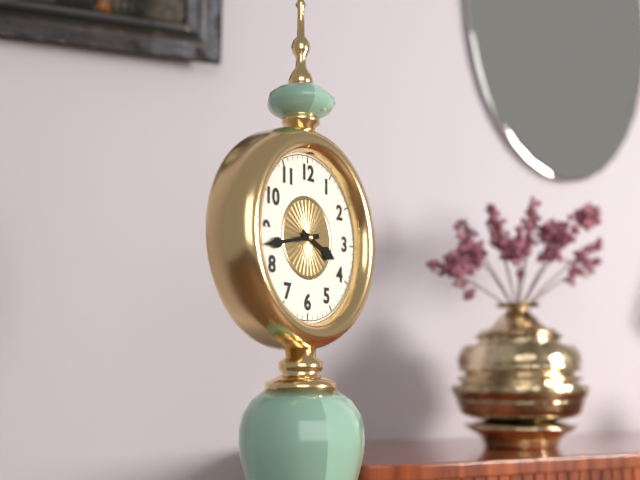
3 h 43 min
